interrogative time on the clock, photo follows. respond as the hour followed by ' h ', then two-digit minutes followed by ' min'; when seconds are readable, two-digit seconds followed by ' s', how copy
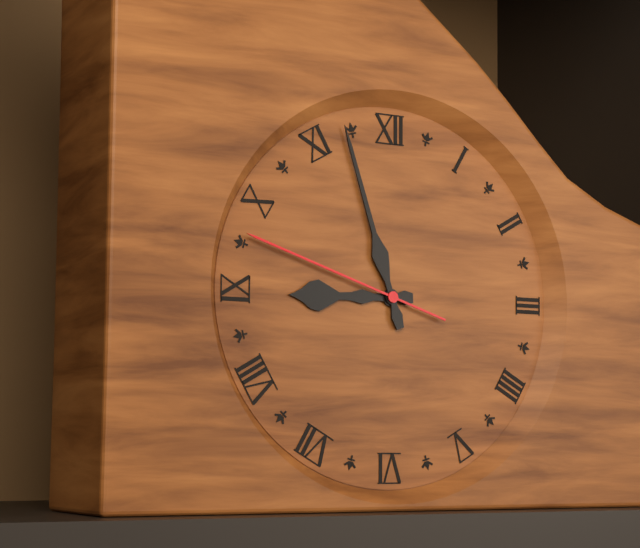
8 h 57 min 48 s
